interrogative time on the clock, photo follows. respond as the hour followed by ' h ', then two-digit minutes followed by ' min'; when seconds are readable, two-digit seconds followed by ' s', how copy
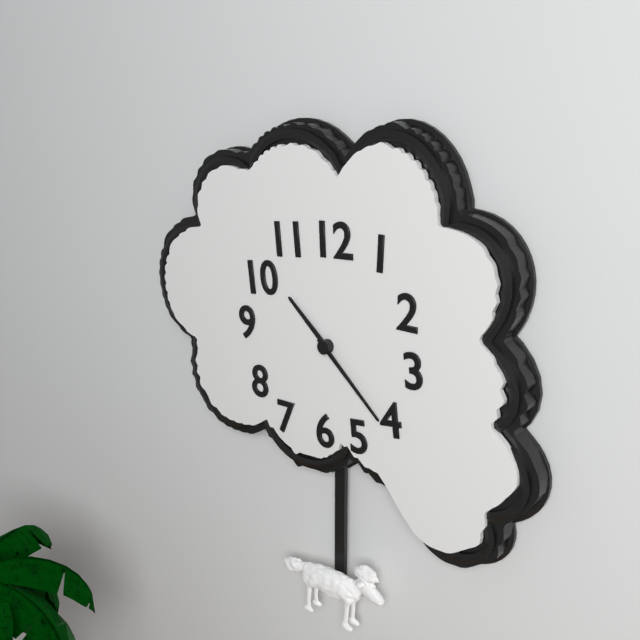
10 h 22 min
